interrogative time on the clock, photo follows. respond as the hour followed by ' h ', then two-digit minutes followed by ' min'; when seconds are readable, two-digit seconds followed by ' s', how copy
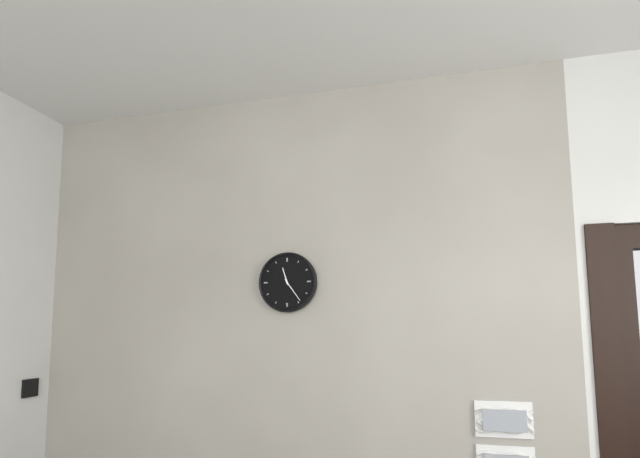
11 h 24 min
